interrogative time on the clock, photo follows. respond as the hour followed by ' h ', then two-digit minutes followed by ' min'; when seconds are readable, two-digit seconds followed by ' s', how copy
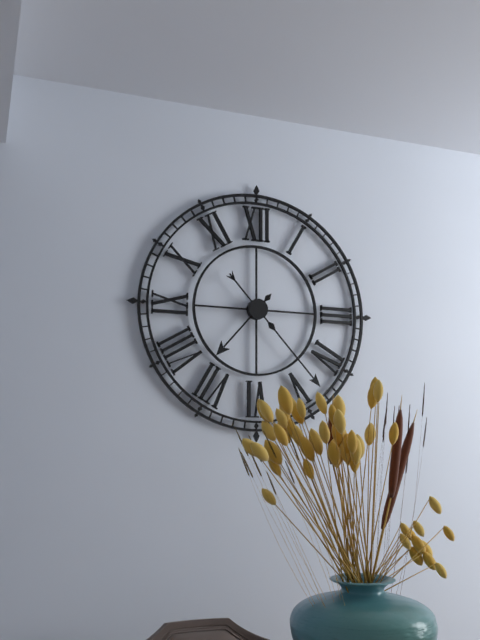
7 h 23 min
